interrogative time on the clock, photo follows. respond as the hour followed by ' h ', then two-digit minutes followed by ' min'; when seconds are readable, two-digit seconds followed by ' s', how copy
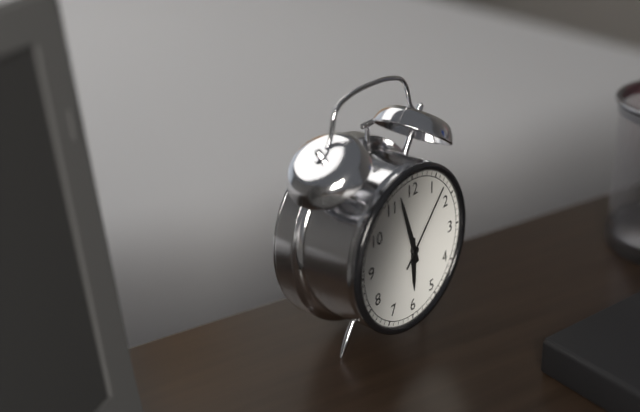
5 h 57 min 07 s
